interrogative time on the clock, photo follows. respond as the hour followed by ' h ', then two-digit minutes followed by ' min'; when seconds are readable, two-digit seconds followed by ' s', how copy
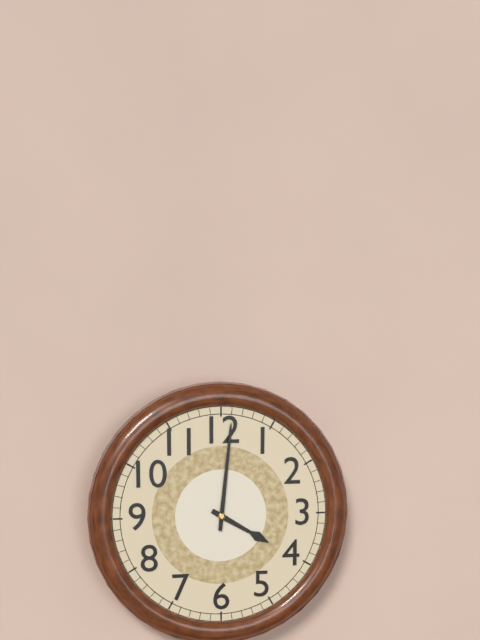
4 h 01 min
